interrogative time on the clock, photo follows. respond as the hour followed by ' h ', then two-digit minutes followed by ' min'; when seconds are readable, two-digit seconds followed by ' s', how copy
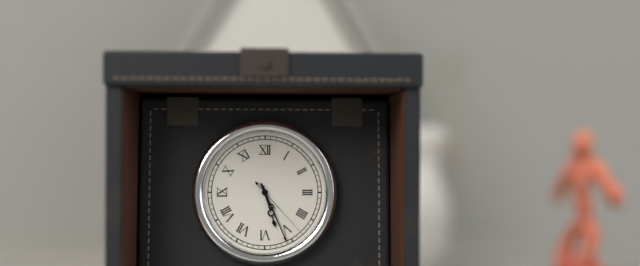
5 h 26 min 23 s
